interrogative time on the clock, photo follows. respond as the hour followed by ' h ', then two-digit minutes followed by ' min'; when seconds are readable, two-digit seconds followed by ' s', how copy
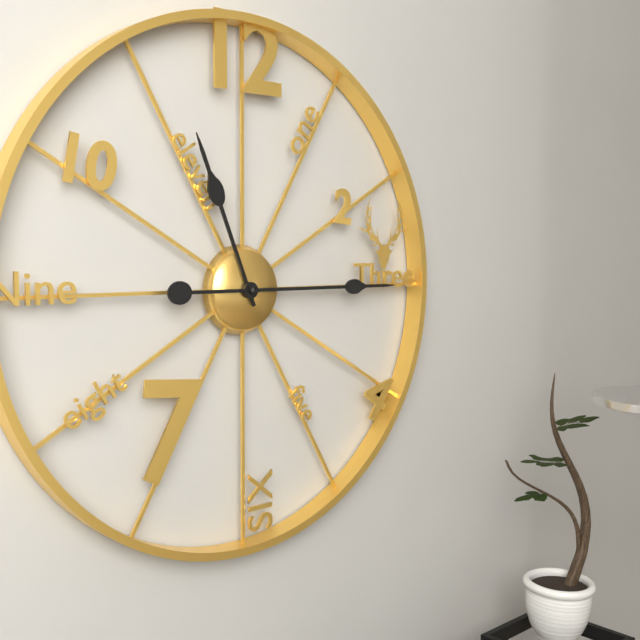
11 h 15 min
